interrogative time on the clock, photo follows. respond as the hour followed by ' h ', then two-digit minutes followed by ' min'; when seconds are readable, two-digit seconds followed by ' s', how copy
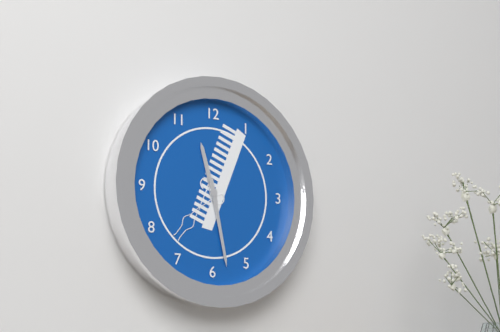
11 h 28 min
